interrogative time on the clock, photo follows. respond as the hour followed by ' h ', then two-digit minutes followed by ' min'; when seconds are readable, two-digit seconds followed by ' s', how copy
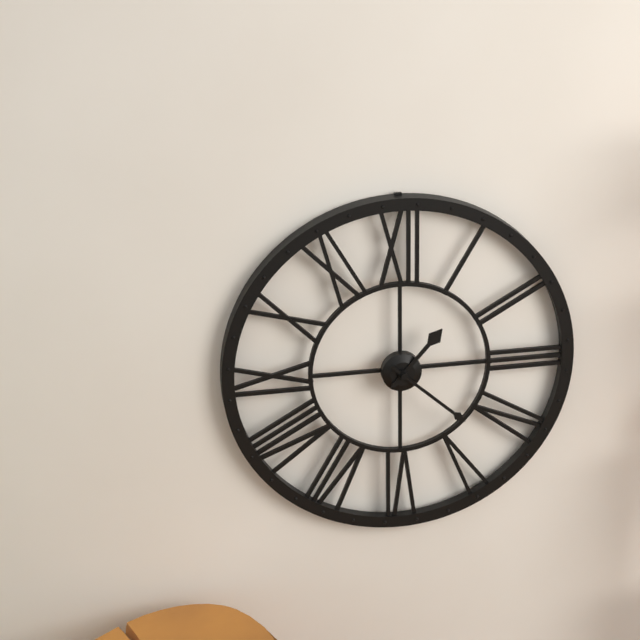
1 h 22 min
